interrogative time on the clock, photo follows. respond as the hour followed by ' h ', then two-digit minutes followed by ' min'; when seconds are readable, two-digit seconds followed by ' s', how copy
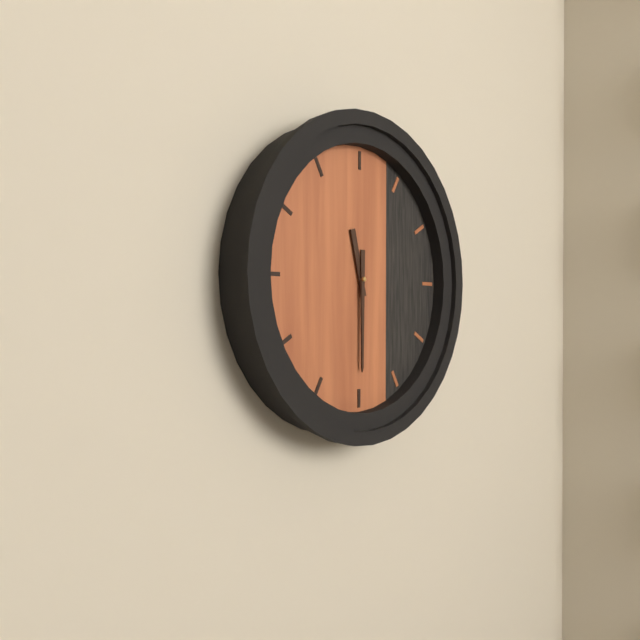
11 h 30 min
